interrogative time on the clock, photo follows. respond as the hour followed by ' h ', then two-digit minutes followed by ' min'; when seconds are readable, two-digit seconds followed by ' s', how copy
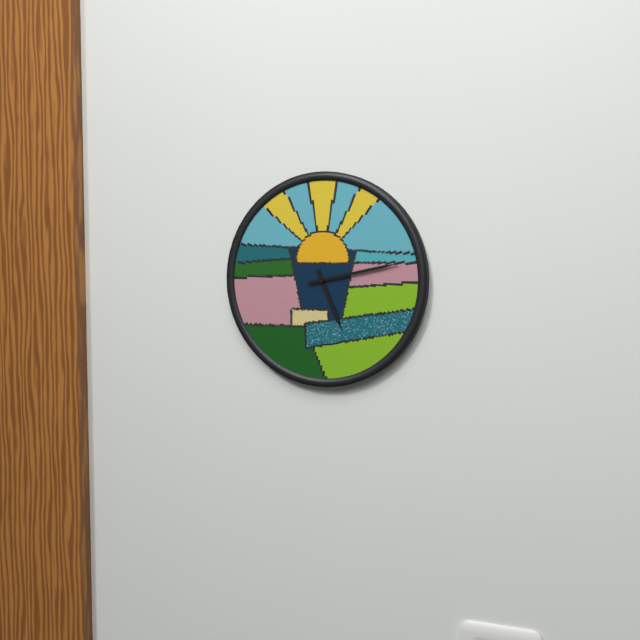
5 h 13 min
